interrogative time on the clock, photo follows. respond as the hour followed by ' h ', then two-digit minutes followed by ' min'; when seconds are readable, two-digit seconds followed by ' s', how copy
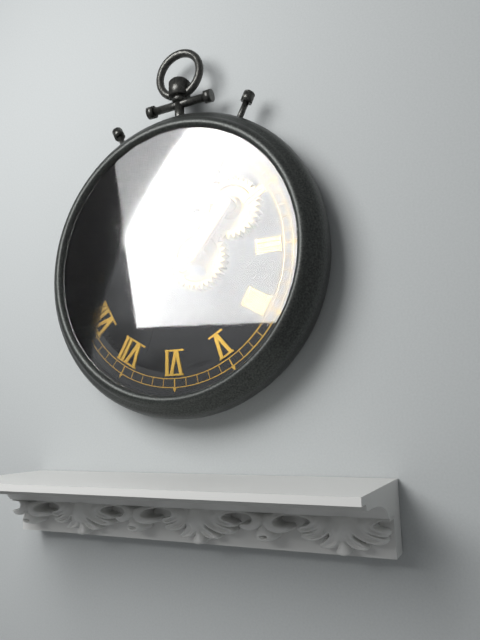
3 h 57 min 33 s
